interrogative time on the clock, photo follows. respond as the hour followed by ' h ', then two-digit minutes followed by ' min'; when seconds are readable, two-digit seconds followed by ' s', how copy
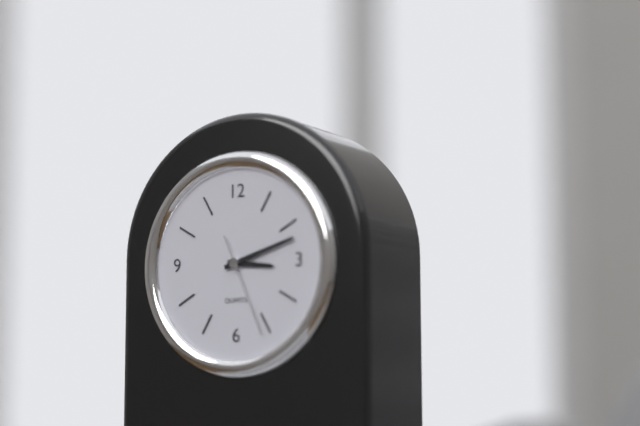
3 h 12 min 26 s
